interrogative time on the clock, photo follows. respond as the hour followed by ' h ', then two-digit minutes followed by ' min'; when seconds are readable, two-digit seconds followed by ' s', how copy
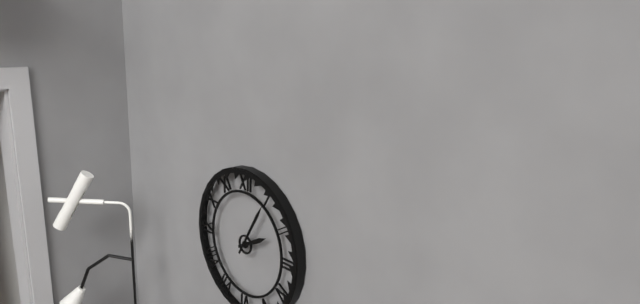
2 h 05 min
